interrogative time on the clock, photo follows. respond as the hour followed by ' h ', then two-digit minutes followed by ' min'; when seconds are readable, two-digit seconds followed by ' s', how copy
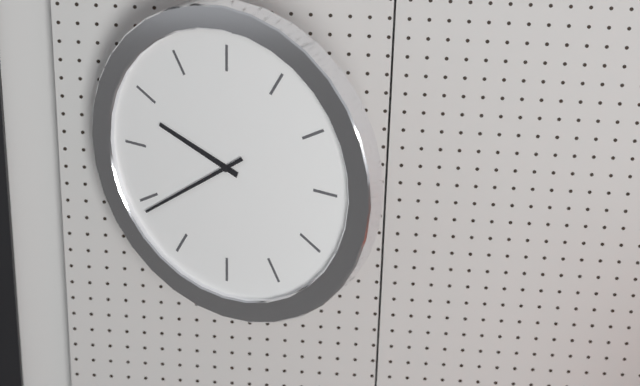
9 h 39 min
